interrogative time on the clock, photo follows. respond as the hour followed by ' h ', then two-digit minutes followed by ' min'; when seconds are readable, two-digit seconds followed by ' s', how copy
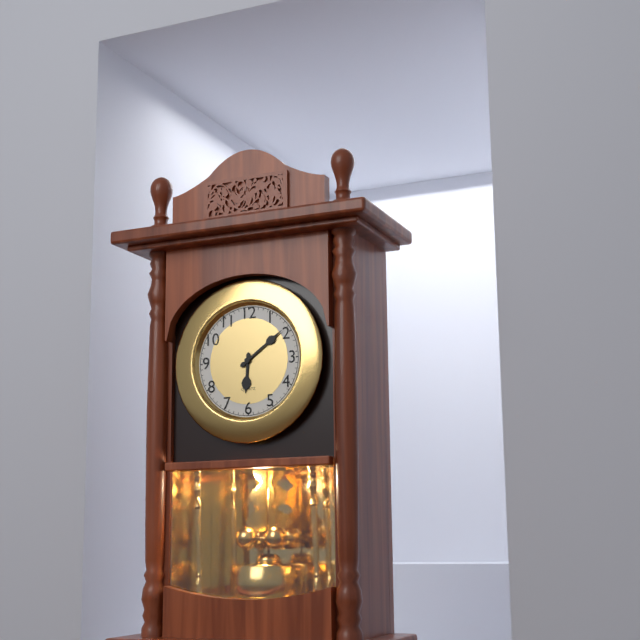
6 h 09 min
